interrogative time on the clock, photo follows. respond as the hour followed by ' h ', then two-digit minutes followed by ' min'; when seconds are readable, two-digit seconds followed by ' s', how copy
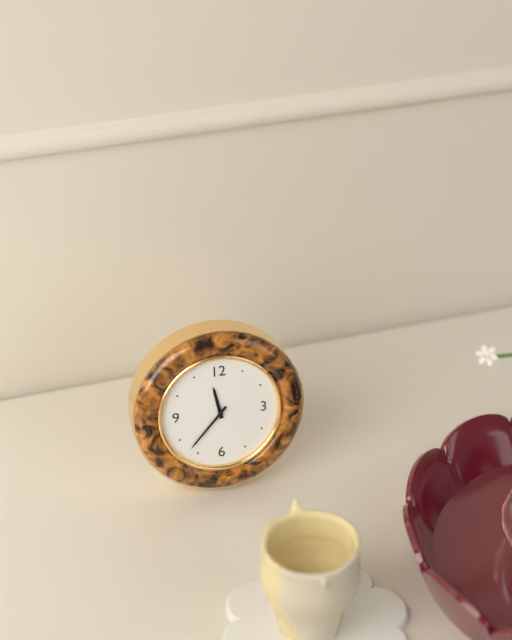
11 h 37 min
